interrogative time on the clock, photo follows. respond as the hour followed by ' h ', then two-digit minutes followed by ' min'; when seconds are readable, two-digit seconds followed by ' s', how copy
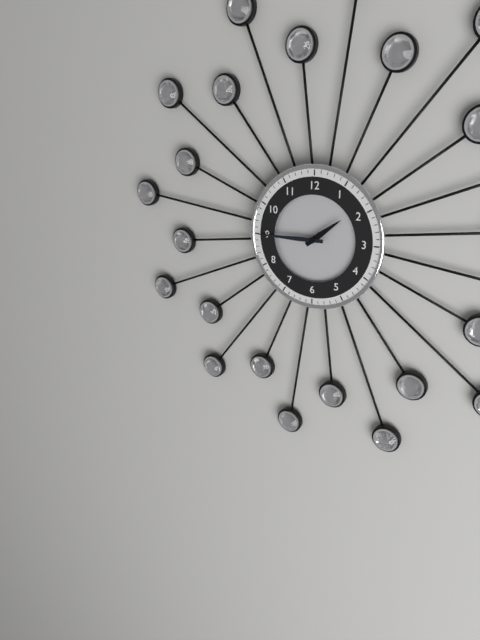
1 h 45 min
